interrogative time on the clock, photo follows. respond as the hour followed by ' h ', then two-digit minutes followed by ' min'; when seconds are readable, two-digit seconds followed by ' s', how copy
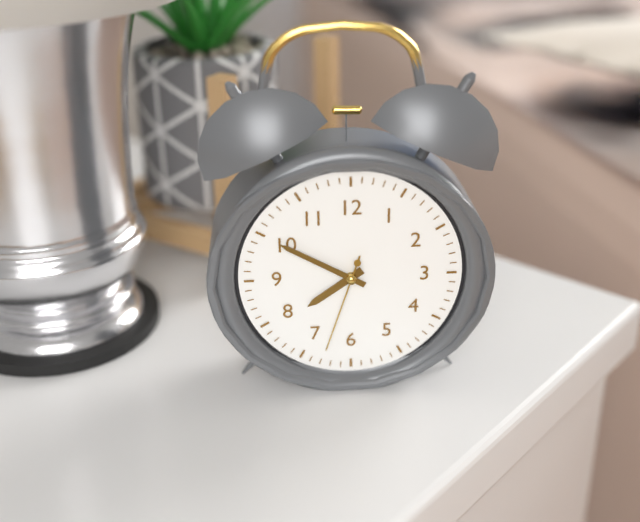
7 h 50 min 33 s
